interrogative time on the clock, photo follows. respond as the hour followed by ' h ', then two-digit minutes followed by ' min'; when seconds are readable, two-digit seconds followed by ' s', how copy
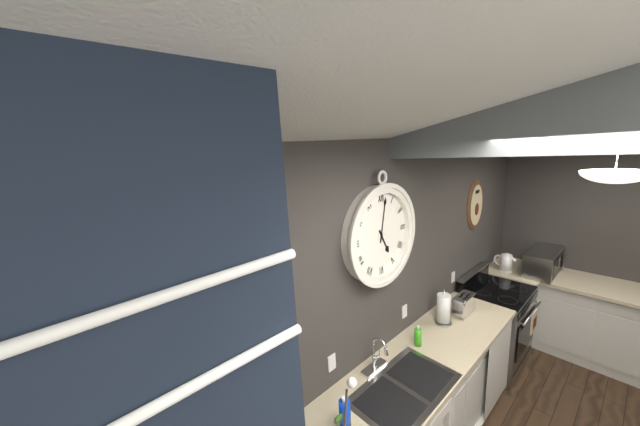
5 h 02 min
